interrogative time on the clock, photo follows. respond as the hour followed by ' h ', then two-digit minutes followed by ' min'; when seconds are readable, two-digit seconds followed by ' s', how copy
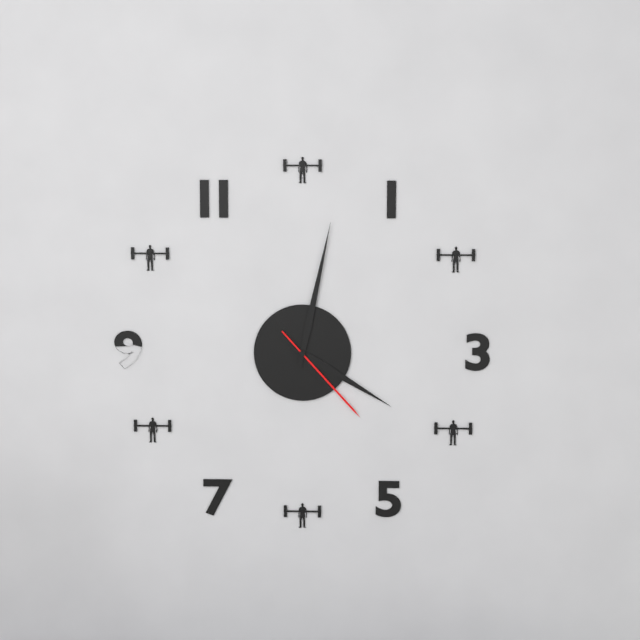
4 h 02 min 23 s
